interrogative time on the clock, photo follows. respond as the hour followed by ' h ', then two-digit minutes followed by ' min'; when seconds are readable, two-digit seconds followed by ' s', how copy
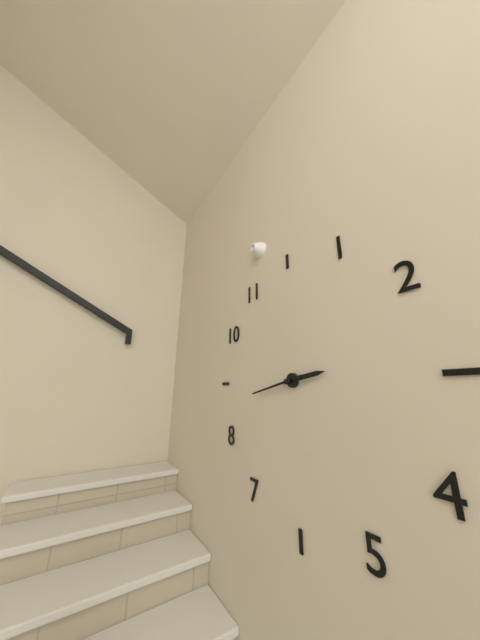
2 h 43 min
